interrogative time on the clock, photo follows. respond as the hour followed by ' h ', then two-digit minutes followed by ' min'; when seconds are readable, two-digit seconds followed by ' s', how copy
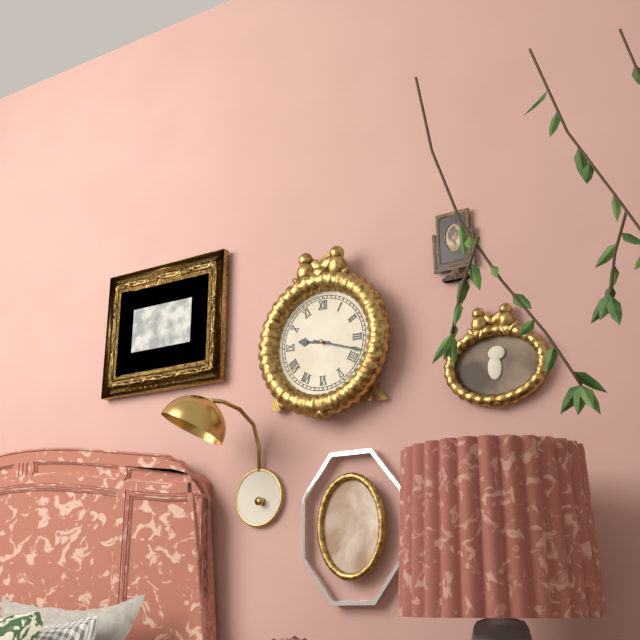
9 h 18 min
